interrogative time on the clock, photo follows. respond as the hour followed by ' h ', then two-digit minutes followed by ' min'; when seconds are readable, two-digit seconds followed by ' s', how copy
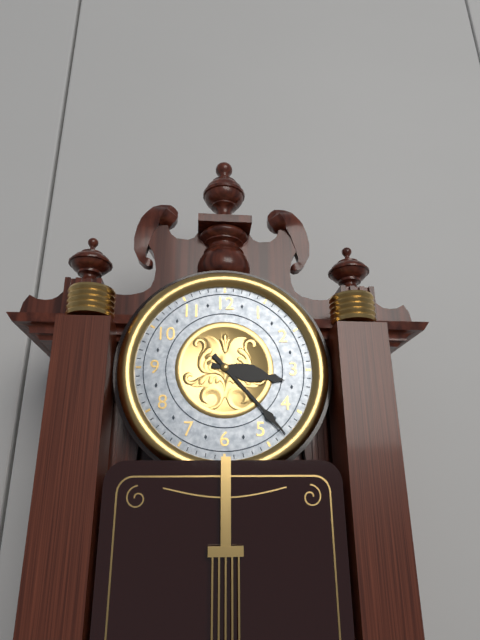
3 h 23 min
